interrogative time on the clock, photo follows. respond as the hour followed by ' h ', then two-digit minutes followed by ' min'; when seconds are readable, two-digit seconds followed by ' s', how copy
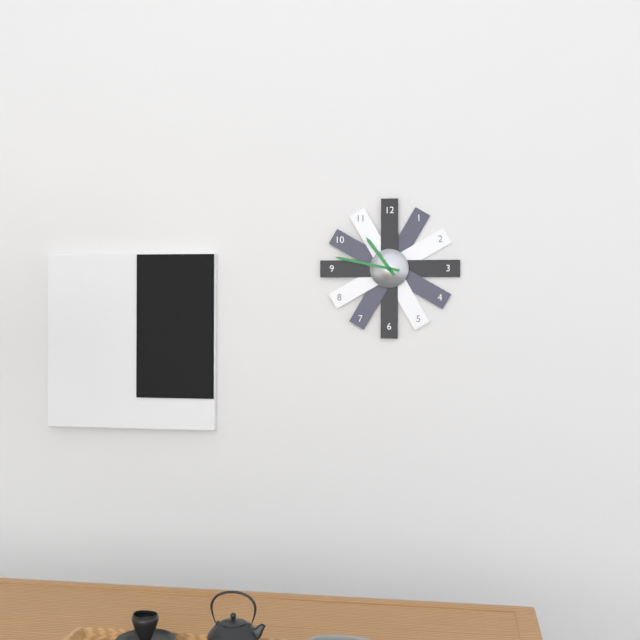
10 h 47 min
